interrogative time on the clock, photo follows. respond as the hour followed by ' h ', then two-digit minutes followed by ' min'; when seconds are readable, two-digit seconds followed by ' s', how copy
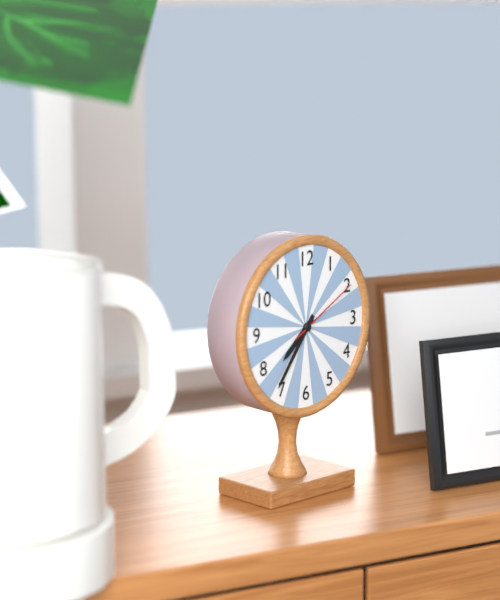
7 h 36 min 10 s
